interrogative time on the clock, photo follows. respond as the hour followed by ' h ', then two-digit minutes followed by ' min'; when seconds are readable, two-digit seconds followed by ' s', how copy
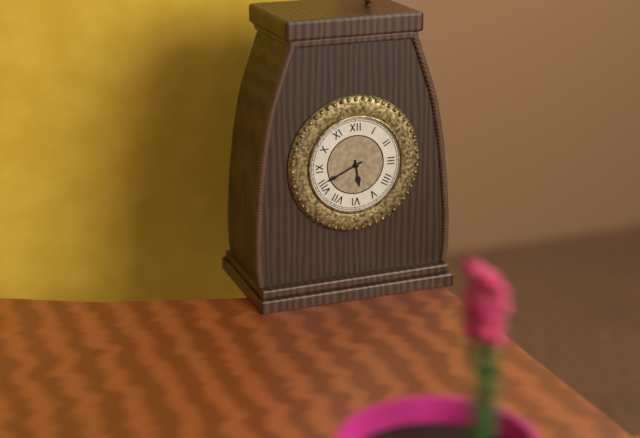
5 h 41 min
